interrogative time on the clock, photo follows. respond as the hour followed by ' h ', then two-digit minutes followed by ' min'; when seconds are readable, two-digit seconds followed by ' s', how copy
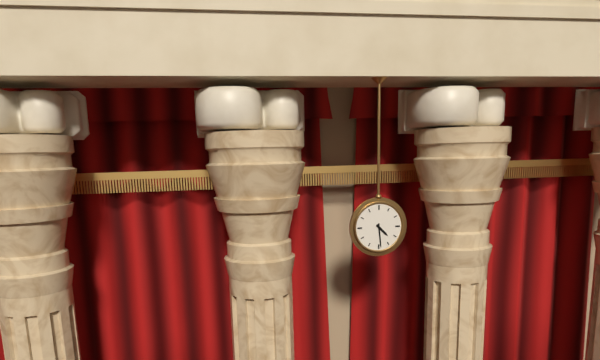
4 h 29 min
